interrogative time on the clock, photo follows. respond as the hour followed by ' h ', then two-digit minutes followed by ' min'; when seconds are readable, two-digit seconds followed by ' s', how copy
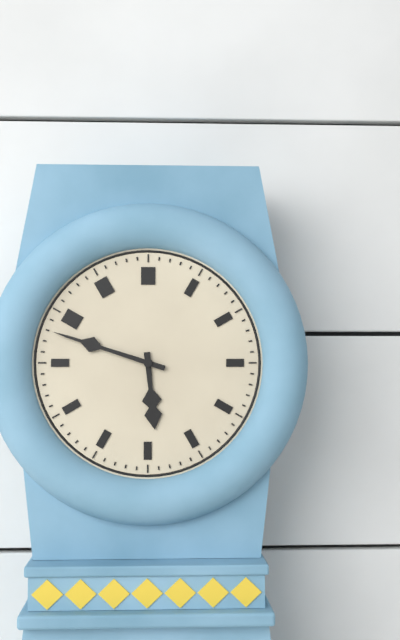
5 h 48 min
